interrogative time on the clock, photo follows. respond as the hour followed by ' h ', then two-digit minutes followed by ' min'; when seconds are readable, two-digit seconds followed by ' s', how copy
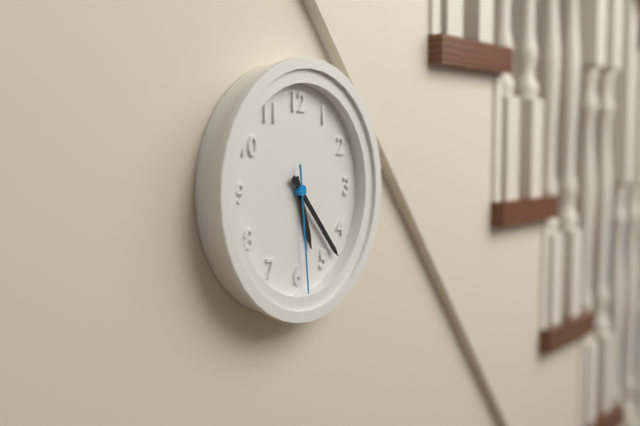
5 h 23 min 29 s
